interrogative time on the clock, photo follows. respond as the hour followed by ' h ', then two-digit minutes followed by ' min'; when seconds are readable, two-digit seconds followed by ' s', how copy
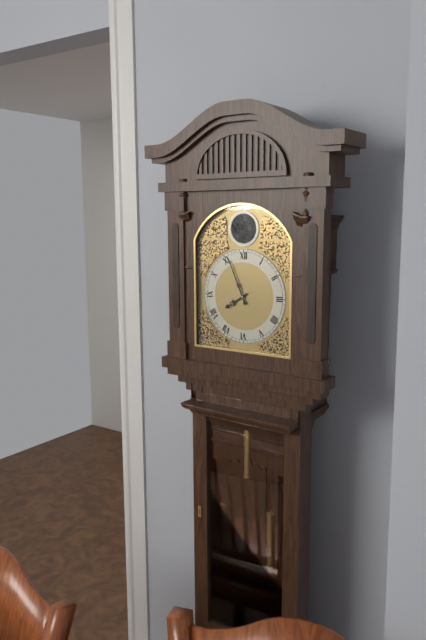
7 h 56 min
